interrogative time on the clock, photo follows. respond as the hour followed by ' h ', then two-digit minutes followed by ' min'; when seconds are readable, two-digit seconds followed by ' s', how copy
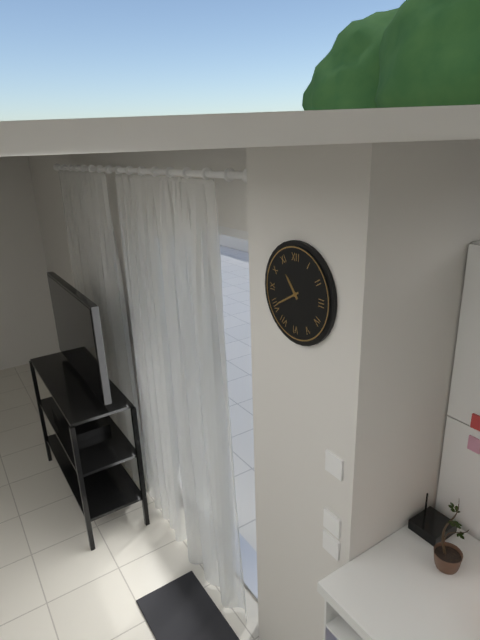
10 h 40 min
